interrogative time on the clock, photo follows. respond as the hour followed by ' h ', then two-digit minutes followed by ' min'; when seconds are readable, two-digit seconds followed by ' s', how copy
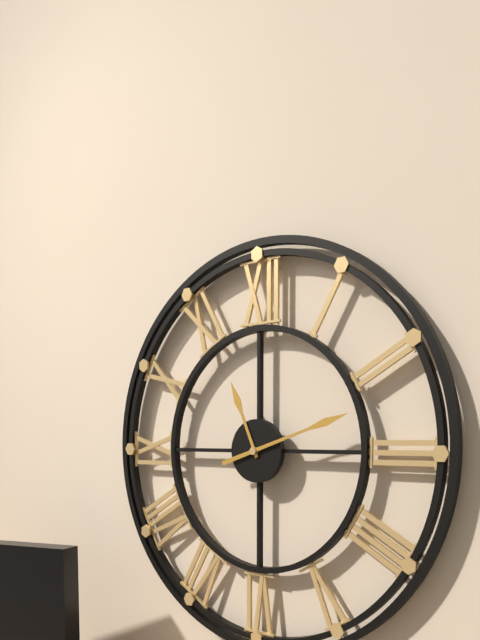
11 h 12 min
